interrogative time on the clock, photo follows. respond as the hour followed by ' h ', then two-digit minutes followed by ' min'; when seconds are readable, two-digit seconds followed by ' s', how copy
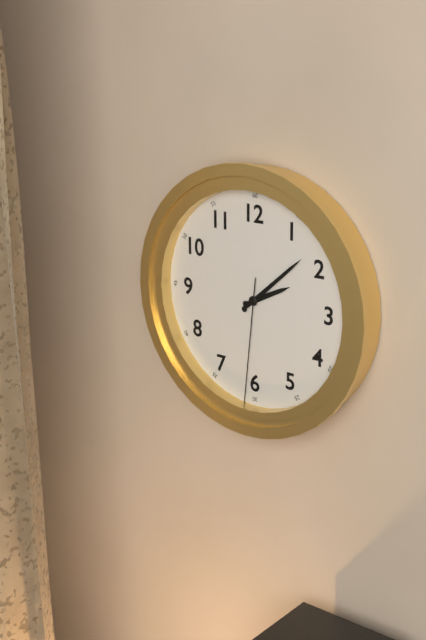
2 h 08 min 31 s
